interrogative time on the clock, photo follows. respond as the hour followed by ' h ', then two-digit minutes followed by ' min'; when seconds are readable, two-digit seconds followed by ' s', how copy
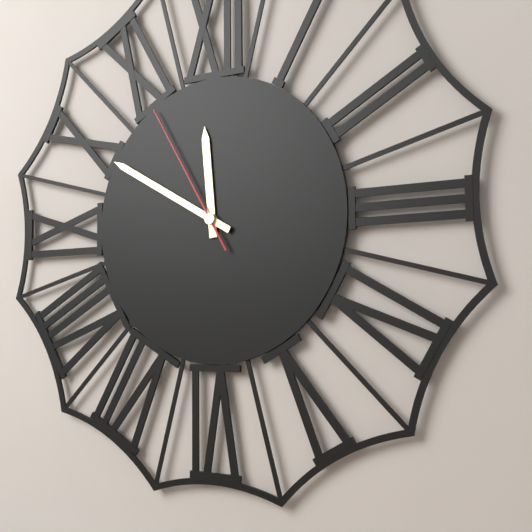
11 h 50 min 55 s
